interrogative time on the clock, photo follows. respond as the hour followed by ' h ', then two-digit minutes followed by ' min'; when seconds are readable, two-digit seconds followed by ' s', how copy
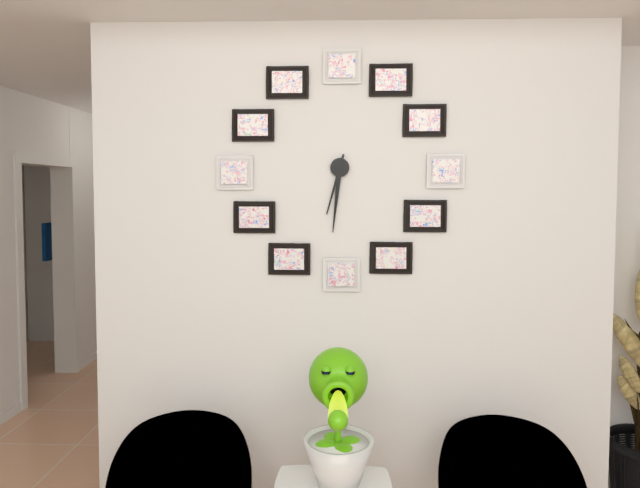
6 h 31 min
